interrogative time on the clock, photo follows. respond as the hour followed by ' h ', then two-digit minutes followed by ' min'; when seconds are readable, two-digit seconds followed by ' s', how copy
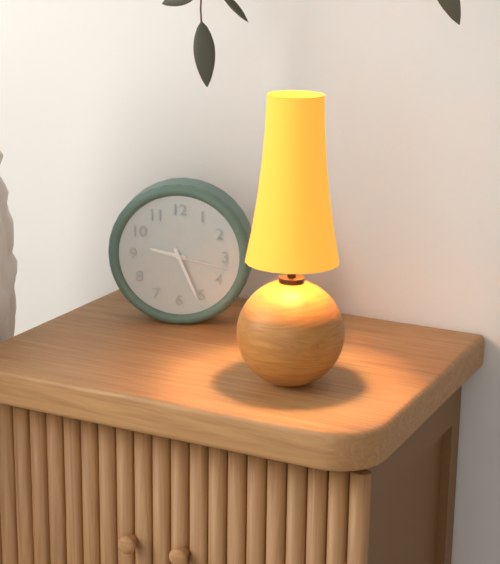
9 h 26 min 17 s
